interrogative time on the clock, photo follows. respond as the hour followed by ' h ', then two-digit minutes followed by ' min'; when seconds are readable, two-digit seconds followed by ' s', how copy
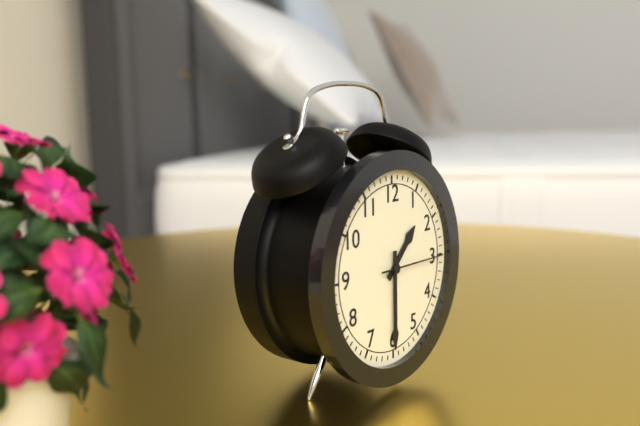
1 h 30 min 15 s
